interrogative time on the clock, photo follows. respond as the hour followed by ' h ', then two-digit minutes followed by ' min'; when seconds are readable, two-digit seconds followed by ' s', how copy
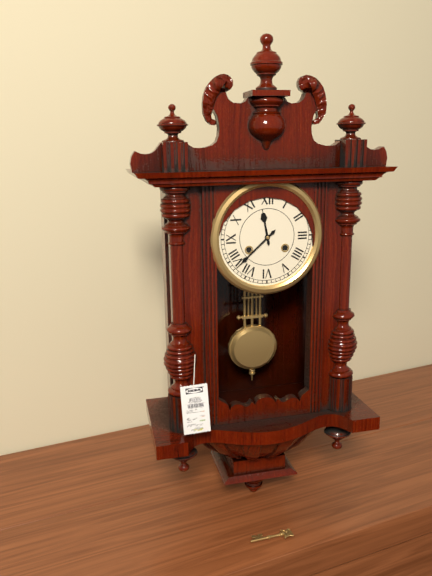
11 h 38 min
